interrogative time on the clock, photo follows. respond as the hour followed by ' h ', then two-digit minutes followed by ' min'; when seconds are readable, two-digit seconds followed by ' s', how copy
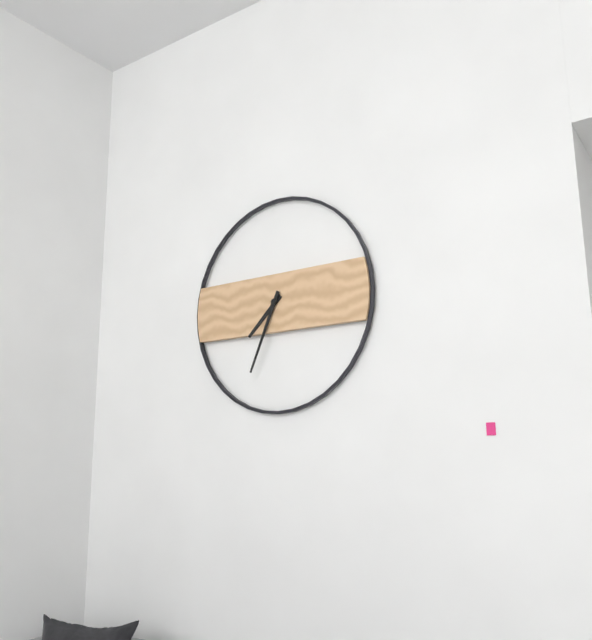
7 h 34 min
